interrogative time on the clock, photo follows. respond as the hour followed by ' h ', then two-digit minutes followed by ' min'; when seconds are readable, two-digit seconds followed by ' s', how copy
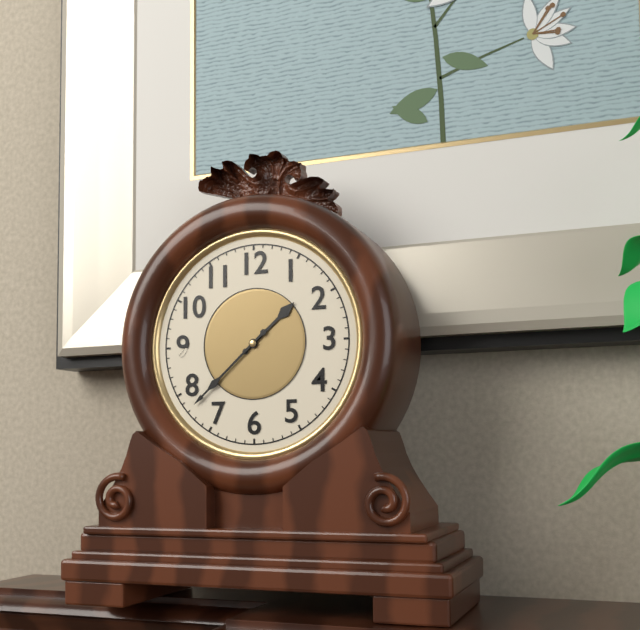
1 h 38 min
